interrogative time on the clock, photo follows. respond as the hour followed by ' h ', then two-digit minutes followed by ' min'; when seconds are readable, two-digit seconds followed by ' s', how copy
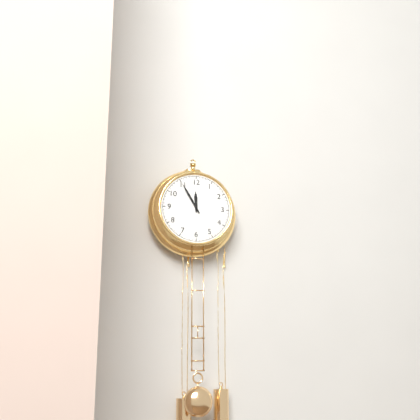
11 h 55 min
